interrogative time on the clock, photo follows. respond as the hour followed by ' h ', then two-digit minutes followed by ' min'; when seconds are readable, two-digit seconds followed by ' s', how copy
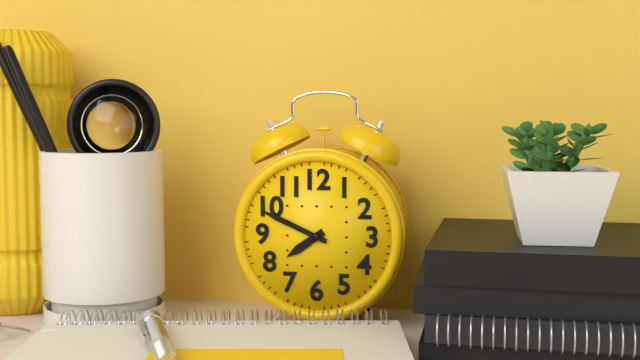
7 h 49 min
